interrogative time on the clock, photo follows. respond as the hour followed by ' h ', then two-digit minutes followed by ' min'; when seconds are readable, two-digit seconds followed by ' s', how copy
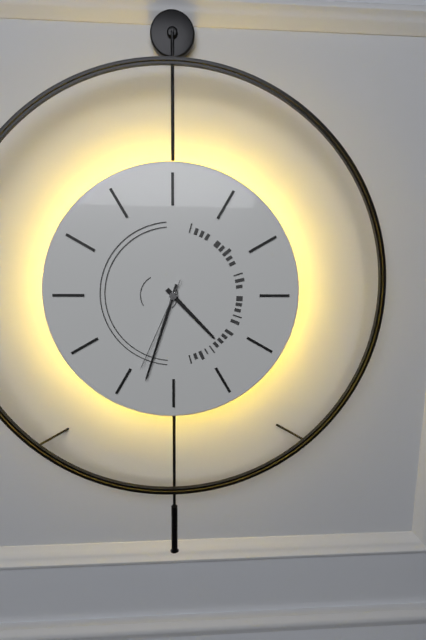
4 h 33 min 34 s
